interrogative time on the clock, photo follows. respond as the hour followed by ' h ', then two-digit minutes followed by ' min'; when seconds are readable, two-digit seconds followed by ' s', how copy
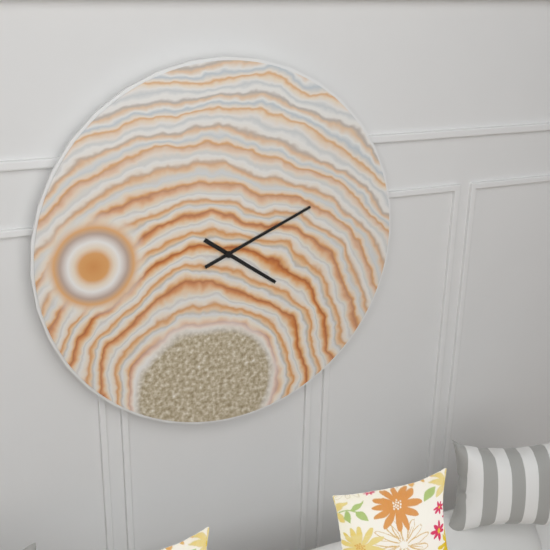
4 h 11 min
